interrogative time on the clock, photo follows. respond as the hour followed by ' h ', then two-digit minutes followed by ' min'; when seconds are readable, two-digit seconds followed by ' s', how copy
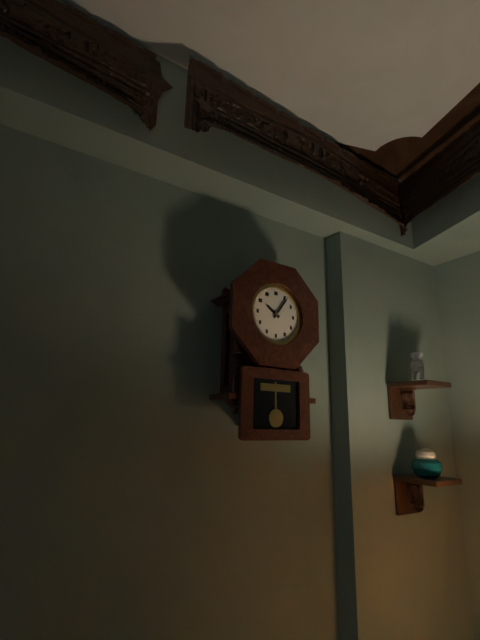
10 h 06 min
